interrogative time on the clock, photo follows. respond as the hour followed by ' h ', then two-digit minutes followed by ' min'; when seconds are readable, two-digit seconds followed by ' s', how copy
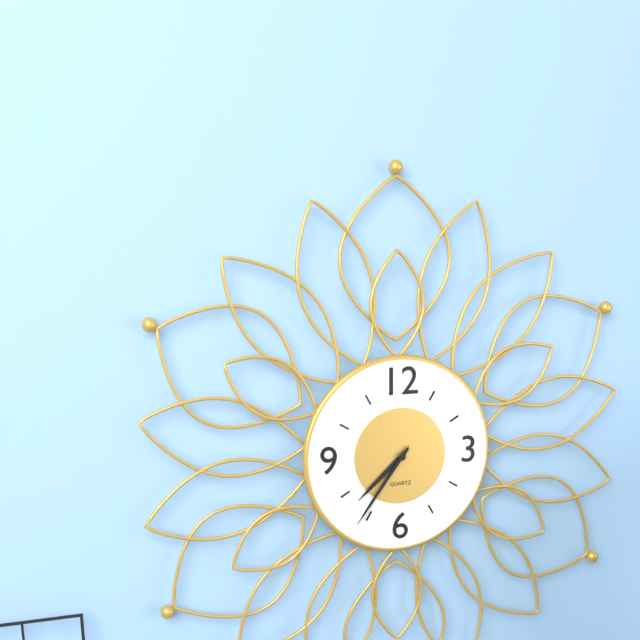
7 h 36 min
